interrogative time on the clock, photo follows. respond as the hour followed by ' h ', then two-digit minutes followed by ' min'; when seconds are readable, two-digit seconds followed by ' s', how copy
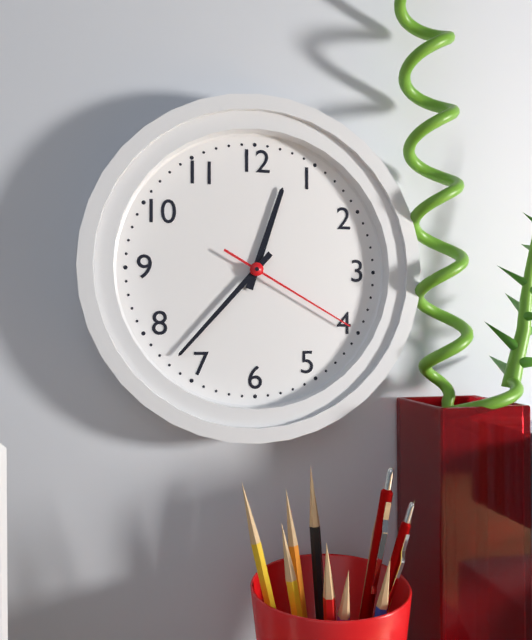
12 h 37 min 20 s
